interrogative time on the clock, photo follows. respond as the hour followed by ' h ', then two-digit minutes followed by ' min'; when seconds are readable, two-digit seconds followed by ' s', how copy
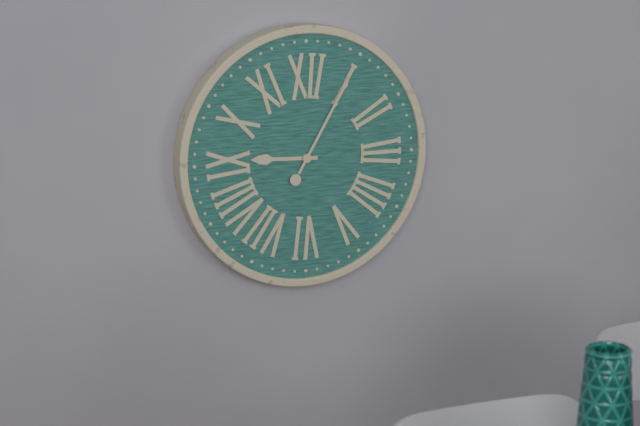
9 h 05 min
